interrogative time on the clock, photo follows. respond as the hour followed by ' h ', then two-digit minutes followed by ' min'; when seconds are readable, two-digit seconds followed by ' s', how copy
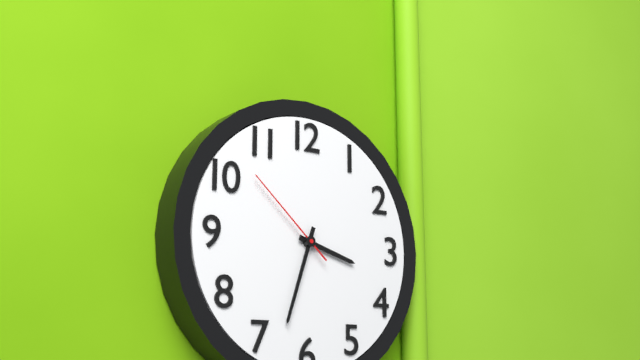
3 h 33 min 52 s
